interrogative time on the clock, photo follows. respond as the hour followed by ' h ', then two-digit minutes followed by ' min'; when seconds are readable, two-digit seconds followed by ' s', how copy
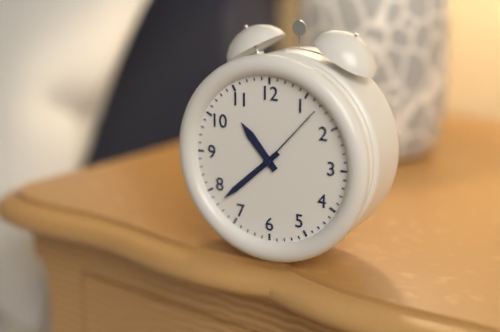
10 h 38 min 07 s
